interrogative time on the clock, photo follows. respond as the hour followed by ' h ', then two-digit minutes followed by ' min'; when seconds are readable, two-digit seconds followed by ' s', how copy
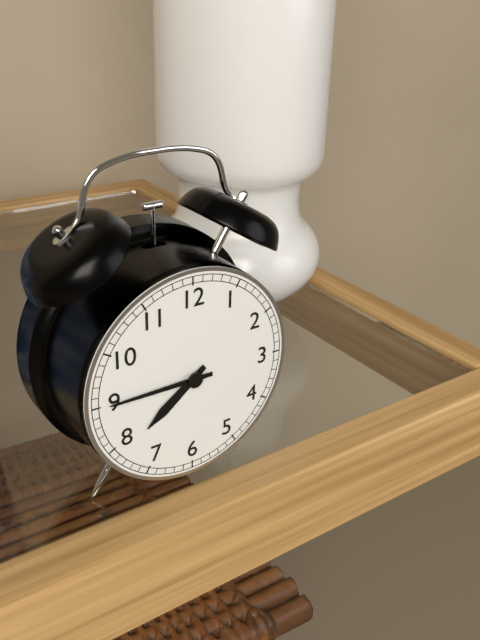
7 h 45 min
